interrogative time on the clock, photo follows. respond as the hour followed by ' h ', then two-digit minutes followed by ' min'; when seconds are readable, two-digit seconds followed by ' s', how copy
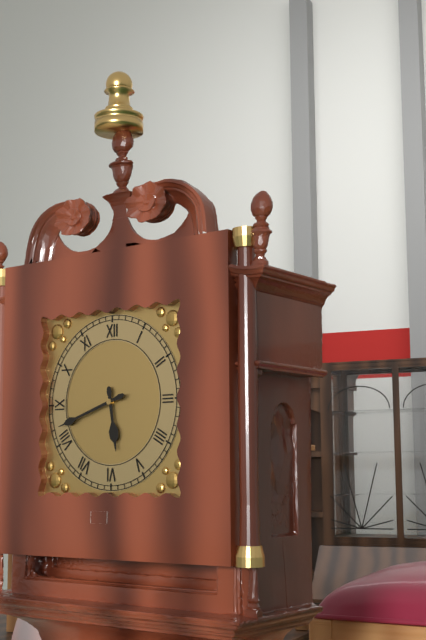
5 h 42 min
